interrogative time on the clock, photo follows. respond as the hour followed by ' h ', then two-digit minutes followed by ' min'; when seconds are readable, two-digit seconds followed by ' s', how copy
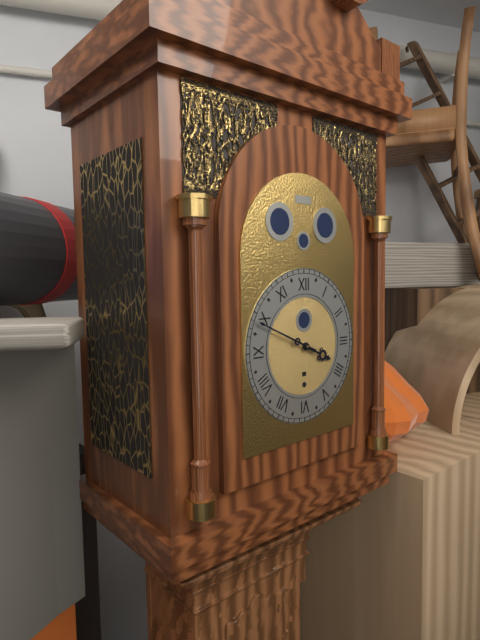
3 h 49 min
